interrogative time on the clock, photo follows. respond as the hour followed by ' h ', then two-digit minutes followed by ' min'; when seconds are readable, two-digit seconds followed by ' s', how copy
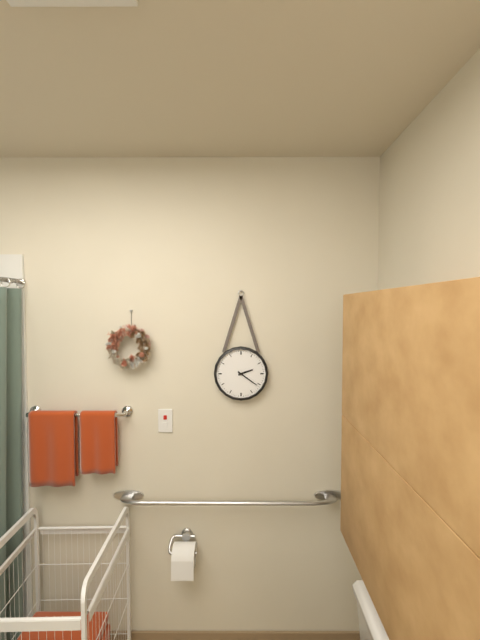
2 h 21 min
